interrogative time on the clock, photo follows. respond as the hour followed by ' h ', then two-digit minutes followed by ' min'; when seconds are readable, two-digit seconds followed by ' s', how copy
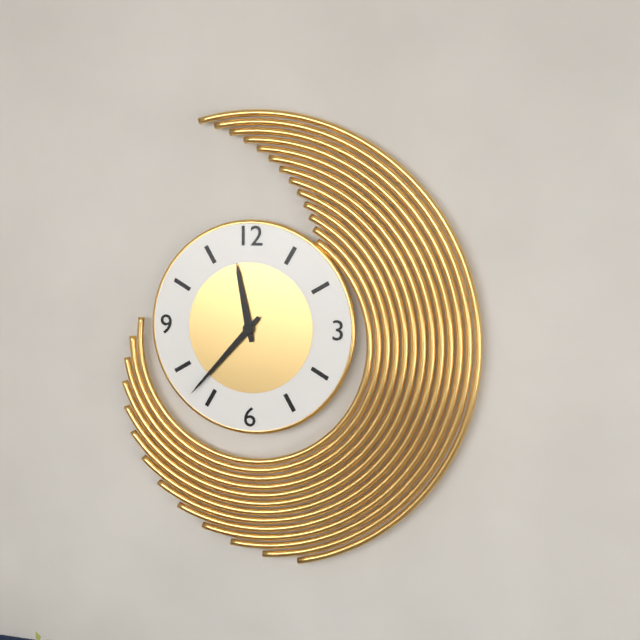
11 h 37 min
